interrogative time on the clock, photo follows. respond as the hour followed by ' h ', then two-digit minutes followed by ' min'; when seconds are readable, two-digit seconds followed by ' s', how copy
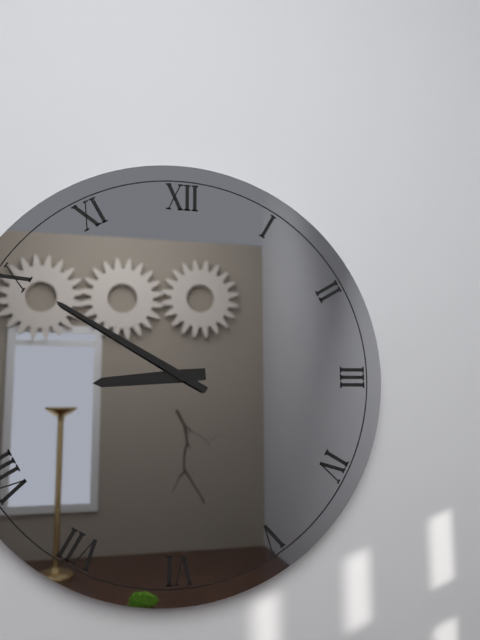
8 h 50 min
